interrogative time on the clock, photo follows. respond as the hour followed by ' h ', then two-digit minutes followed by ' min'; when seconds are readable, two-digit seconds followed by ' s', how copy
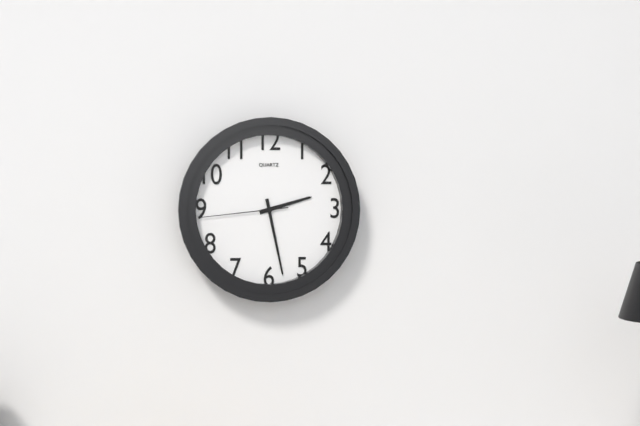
2 h 28 min 44 s
